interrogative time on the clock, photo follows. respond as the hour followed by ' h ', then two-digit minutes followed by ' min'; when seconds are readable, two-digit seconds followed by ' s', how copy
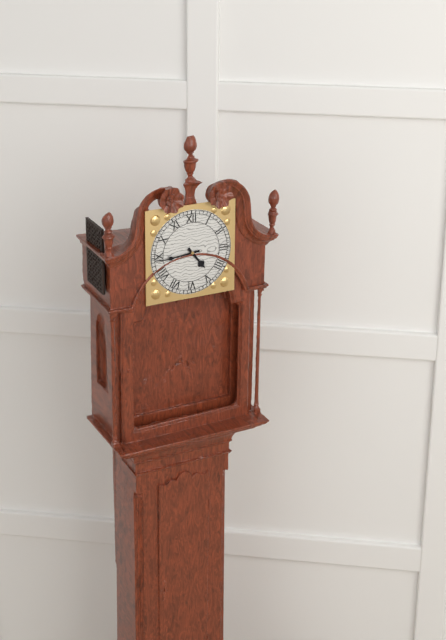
4 h 44 min
